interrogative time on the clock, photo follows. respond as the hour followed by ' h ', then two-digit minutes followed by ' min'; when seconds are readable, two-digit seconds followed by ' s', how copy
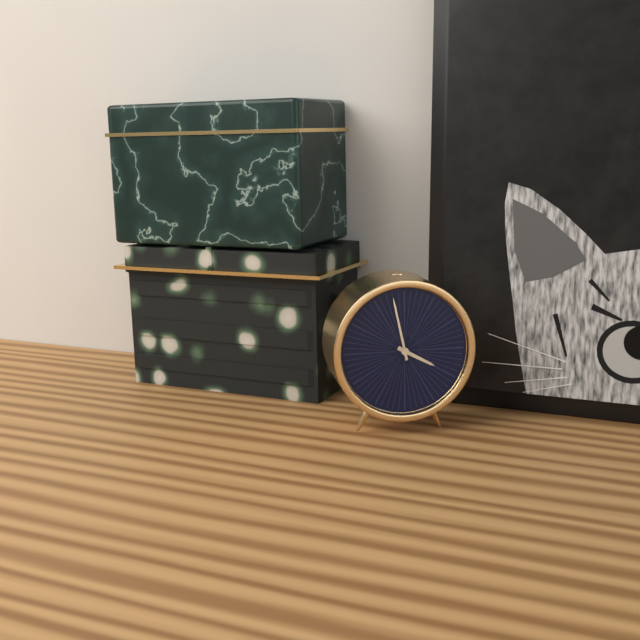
3 h 58 min
